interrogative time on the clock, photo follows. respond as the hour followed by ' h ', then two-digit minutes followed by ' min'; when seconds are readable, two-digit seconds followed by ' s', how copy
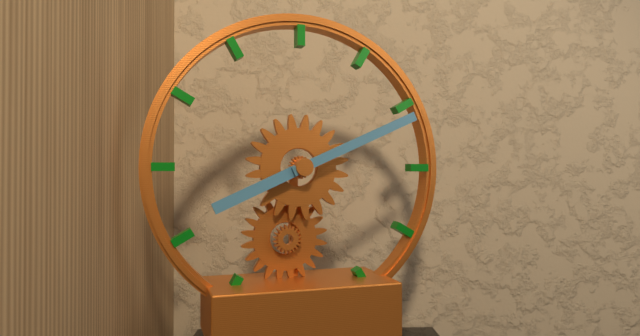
8 h 11 min
